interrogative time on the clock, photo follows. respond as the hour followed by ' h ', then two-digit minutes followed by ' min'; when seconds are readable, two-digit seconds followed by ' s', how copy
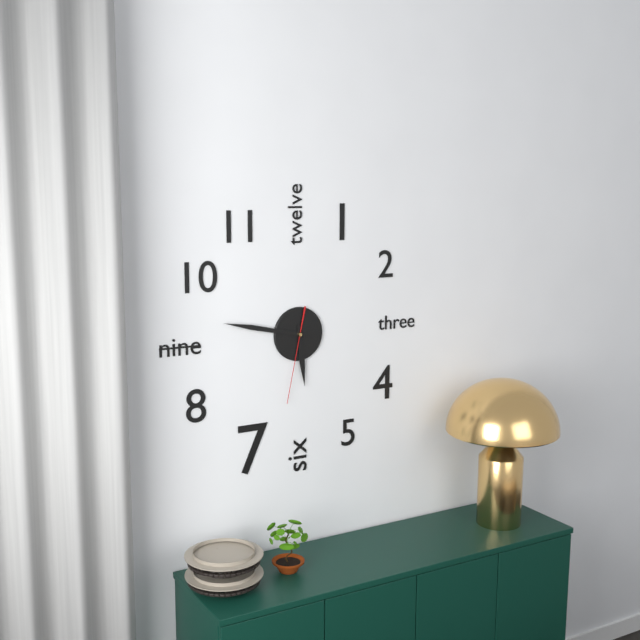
5 h 47 min 32 s
